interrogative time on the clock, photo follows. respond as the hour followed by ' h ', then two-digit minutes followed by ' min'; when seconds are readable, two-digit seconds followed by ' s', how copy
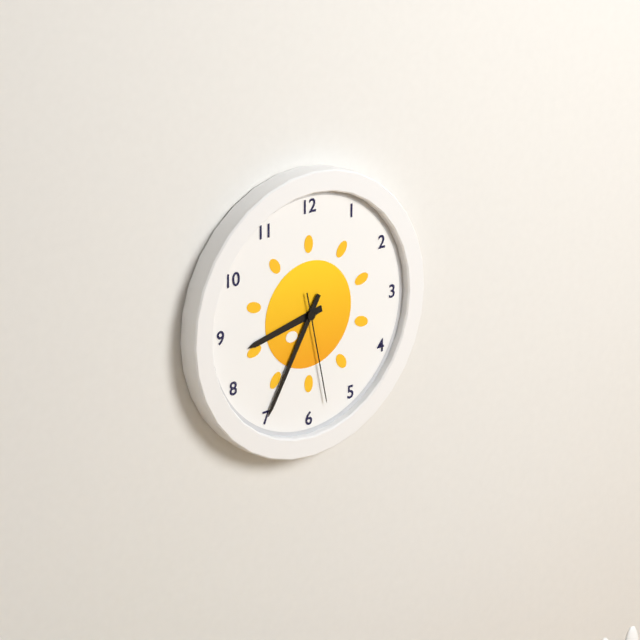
8 h 35 min 28 s
